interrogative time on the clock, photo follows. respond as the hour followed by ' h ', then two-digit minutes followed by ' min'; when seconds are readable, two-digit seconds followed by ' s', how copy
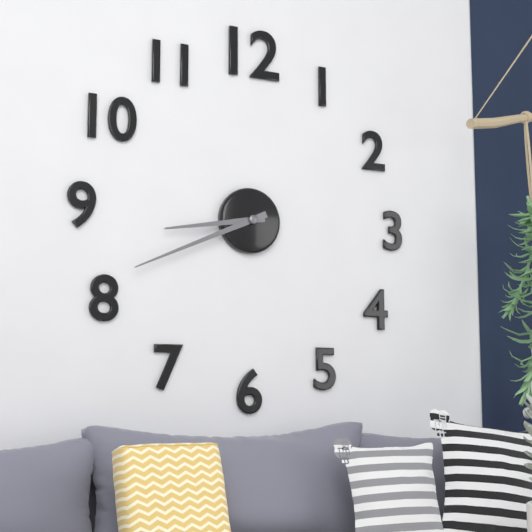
8 h 41 min
